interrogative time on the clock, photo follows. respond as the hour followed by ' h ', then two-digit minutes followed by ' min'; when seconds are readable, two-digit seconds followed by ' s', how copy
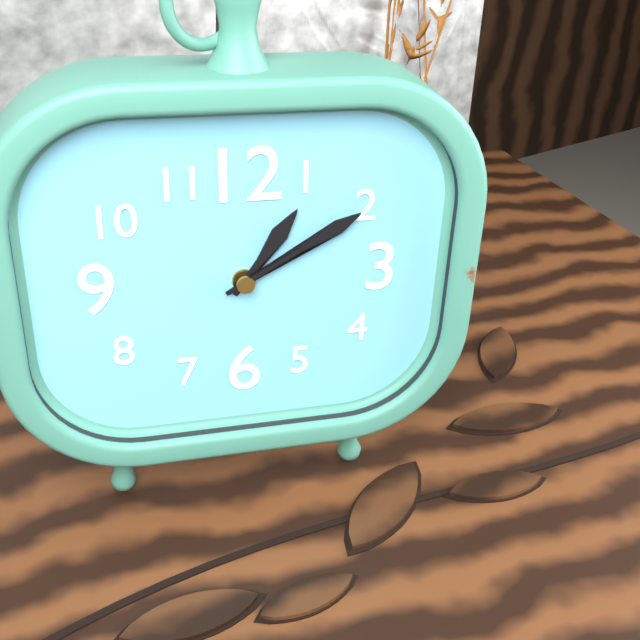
1 h 10 min
